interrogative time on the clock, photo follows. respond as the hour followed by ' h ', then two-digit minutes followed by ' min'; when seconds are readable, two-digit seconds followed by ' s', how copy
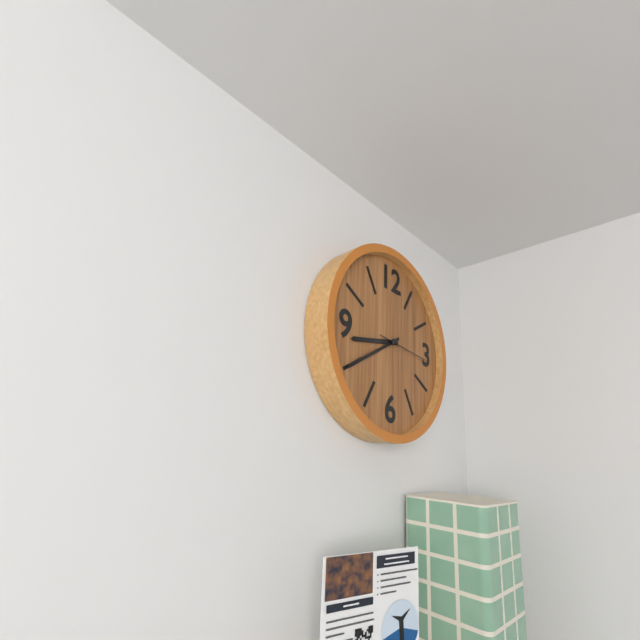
8 h 40 min 16 s
